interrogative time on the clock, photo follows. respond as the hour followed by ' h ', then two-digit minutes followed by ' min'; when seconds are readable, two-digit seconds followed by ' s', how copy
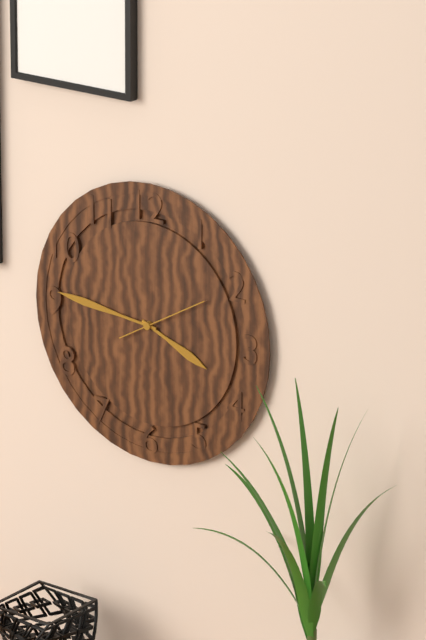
3 h 46 min 10 s
